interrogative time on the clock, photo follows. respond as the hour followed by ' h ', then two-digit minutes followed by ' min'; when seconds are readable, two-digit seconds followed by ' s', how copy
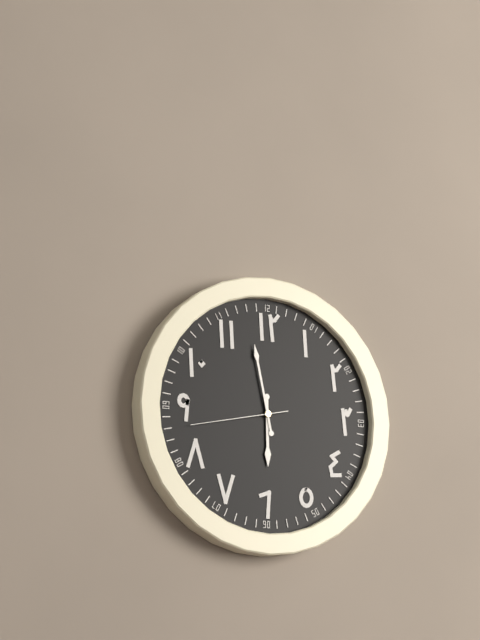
5 h 58 min 43 s
